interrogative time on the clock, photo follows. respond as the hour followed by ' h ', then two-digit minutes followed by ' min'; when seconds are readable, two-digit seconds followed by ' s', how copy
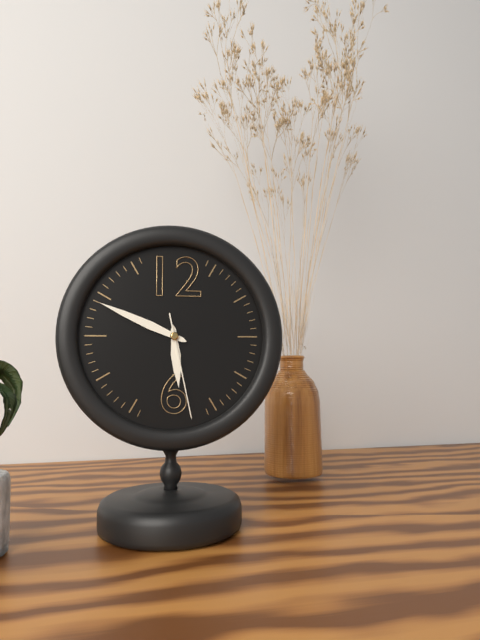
5 h 49 min 28 s
